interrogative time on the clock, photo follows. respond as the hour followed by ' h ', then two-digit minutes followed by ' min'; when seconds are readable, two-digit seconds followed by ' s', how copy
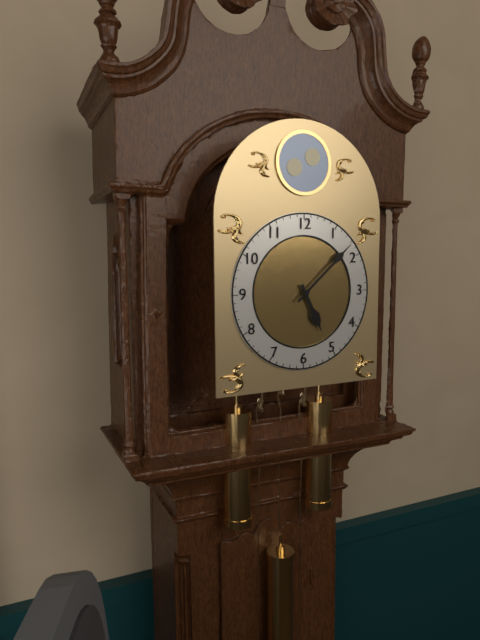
5 h 08 min
